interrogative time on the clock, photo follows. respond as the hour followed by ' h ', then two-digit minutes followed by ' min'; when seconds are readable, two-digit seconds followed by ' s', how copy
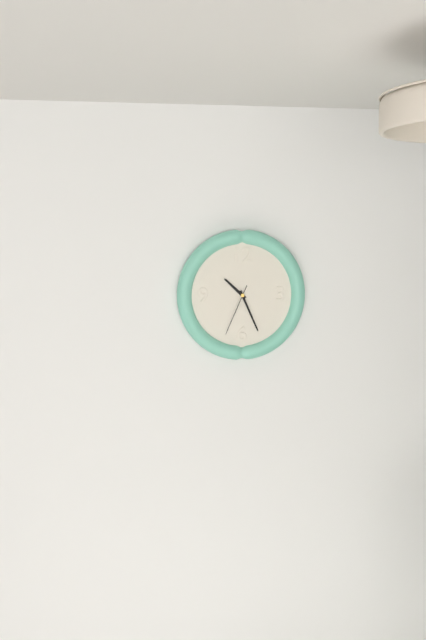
10 h 26 min 34 s
